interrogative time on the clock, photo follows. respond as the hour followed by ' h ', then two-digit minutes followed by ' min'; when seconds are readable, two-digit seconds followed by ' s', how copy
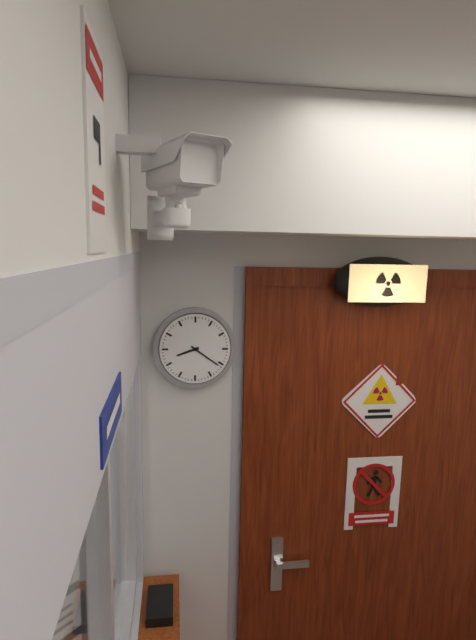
8 h 21 min
